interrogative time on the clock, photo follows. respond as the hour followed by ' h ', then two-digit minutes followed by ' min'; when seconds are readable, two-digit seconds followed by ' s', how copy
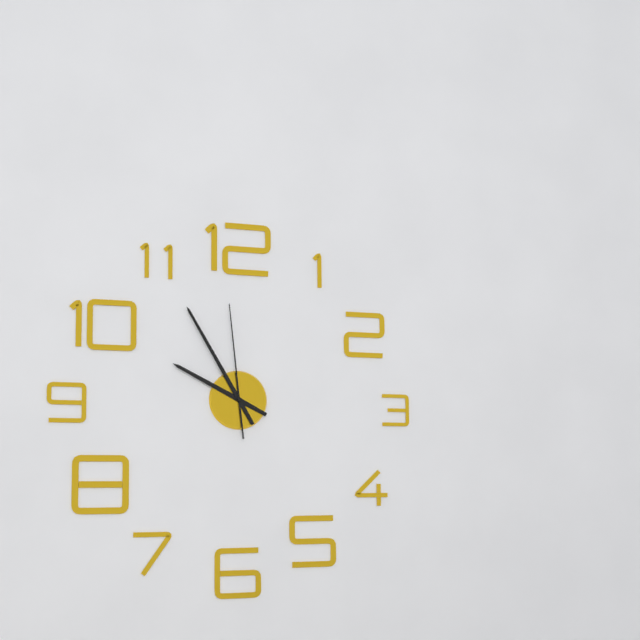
9 h 55 min 59 s
